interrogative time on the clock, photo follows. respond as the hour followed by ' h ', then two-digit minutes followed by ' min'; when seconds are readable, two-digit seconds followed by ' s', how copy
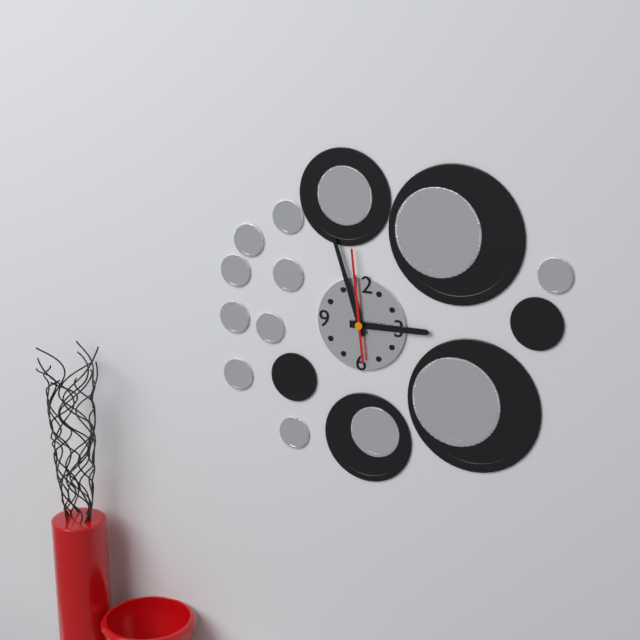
2 h 57 min 59 s
